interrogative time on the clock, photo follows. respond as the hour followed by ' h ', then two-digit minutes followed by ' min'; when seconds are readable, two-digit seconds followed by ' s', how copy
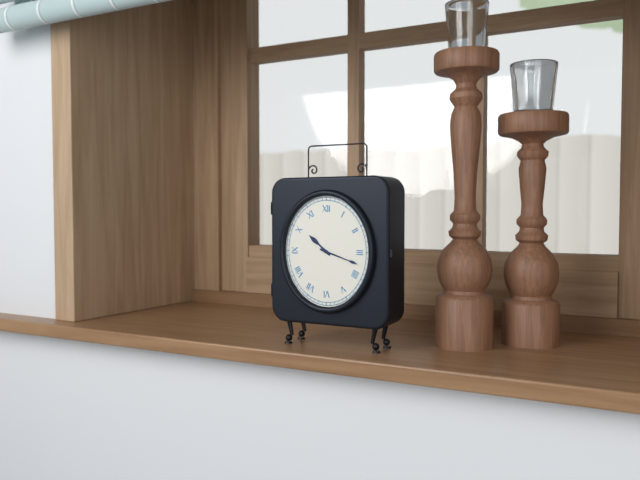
10 h 18 min
